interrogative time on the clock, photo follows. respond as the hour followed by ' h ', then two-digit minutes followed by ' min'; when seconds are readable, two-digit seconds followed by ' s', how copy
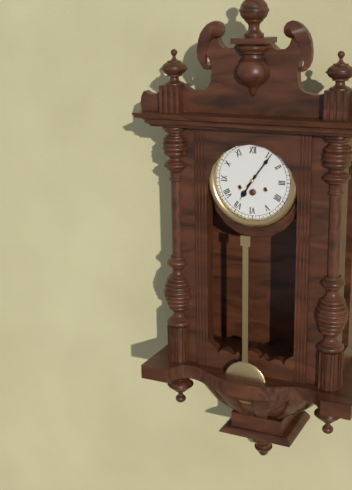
7 h 06 min
